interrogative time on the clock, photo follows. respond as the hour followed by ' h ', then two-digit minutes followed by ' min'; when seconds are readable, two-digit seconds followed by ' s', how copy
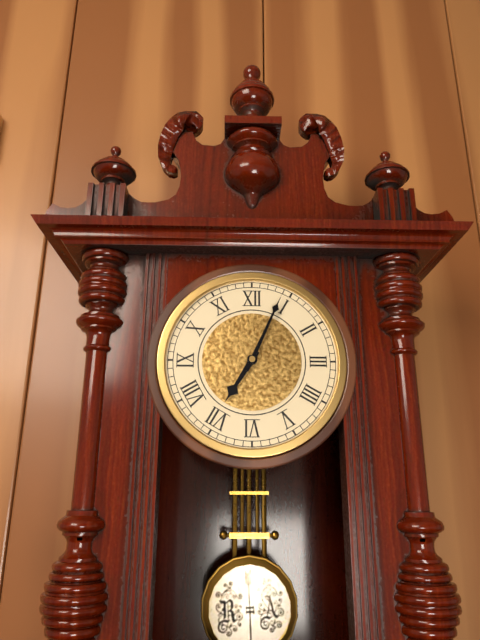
7 h 04 min
